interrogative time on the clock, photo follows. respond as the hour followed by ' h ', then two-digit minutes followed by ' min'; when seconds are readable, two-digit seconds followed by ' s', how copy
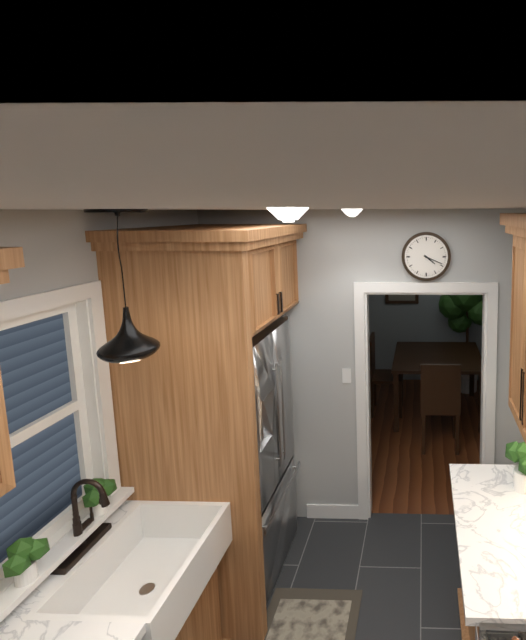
4 h 19 min
